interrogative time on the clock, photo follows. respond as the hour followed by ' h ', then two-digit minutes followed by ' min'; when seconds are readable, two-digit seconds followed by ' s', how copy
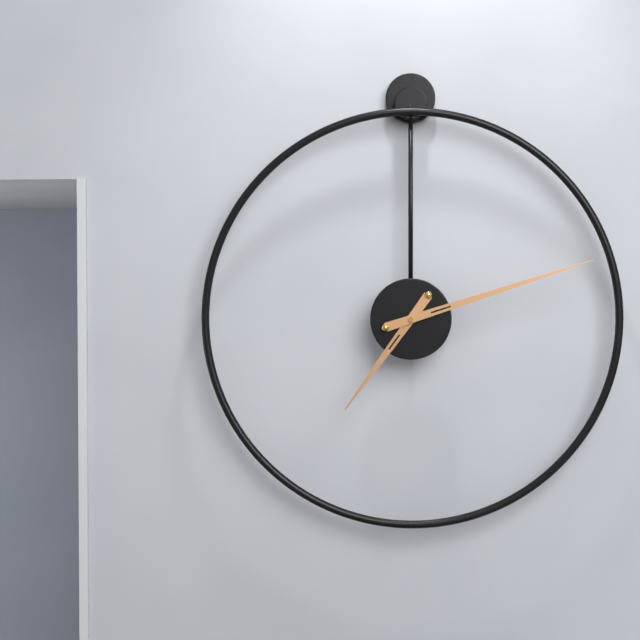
7 h 12 min
